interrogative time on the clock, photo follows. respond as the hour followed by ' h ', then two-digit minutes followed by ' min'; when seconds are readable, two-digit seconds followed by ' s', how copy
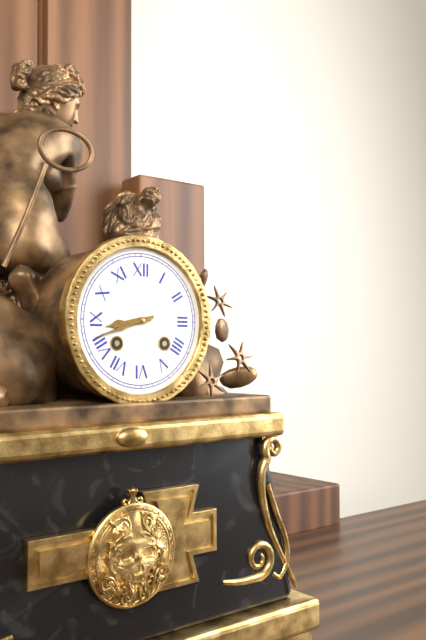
8 h 42 min
